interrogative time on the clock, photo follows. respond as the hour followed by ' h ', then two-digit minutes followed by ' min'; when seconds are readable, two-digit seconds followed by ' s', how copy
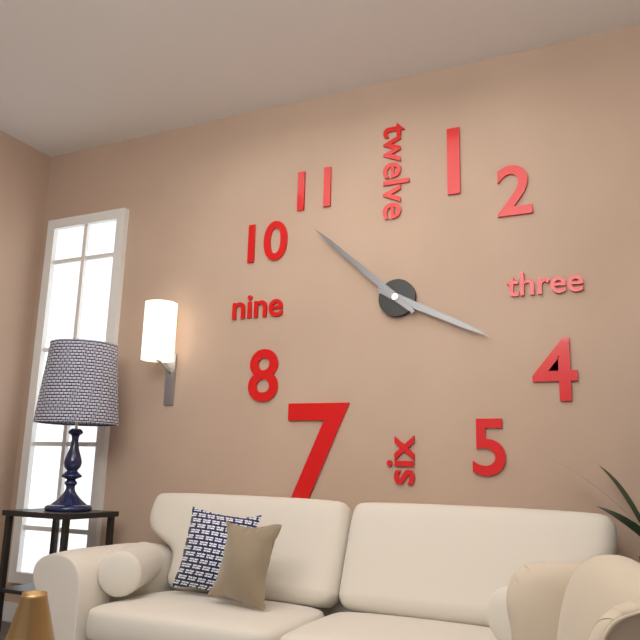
3 h 52 min
